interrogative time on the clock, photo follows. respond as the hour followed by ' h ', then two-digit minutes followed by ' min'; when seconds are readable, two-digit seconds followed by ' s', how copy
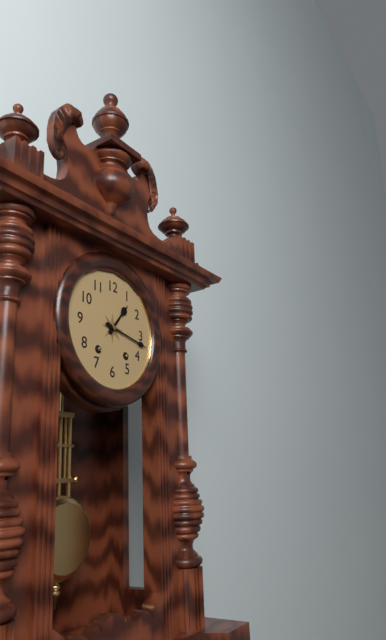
1 h 17 min
